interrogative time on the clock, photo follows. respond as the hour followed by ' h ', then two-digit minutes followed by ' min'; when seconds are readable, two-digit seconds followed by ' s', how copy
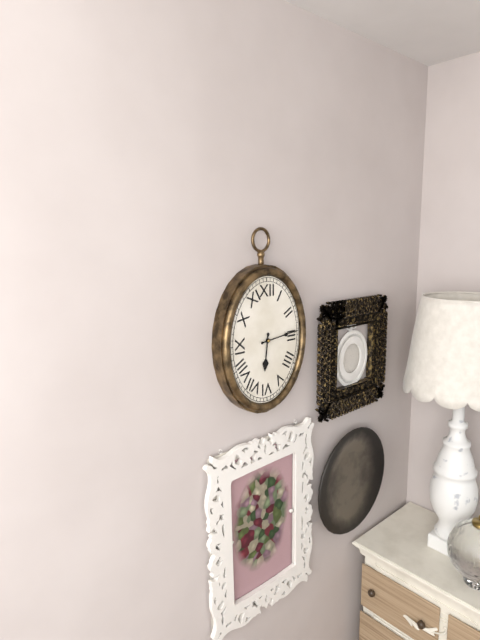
6 h 14 min
